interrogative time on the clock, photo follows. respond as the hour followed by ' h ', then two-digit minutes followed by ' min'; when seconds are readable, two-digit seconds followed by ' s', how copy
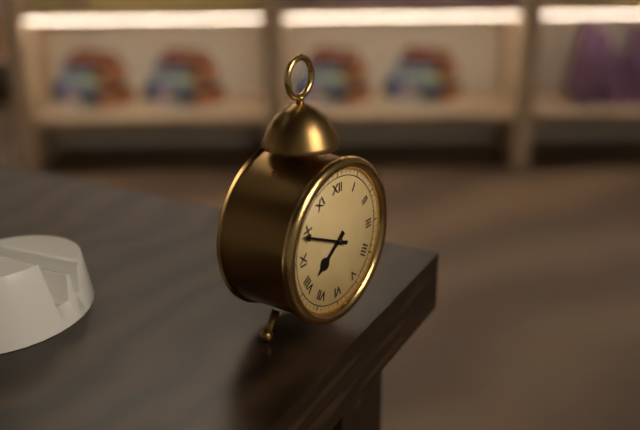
7 h 49 min
